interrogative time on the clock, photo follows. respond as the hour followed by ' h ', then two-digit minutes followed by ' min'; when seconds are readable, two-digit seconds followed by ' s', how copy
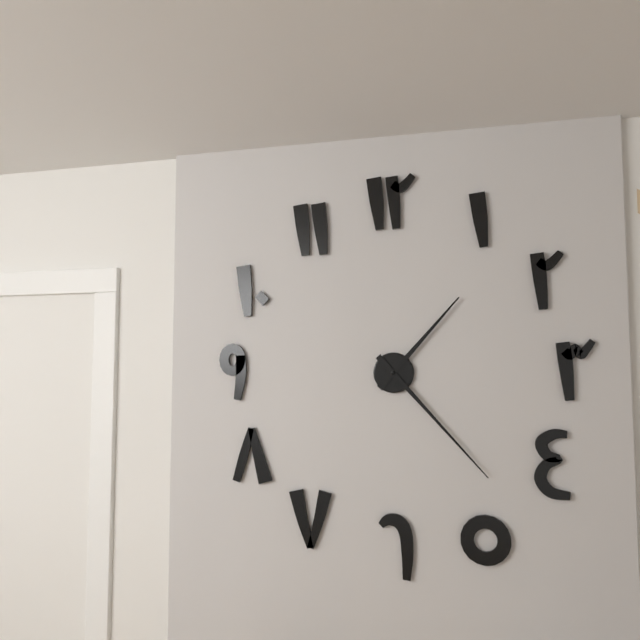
1 h 23 min
